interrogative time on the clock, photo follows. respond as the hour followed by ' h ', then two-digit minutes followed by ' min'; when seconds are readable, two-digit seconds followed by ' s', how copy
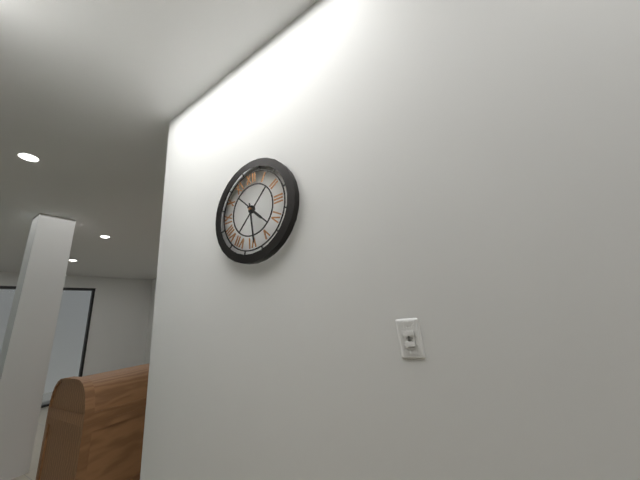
4 h 29 min
